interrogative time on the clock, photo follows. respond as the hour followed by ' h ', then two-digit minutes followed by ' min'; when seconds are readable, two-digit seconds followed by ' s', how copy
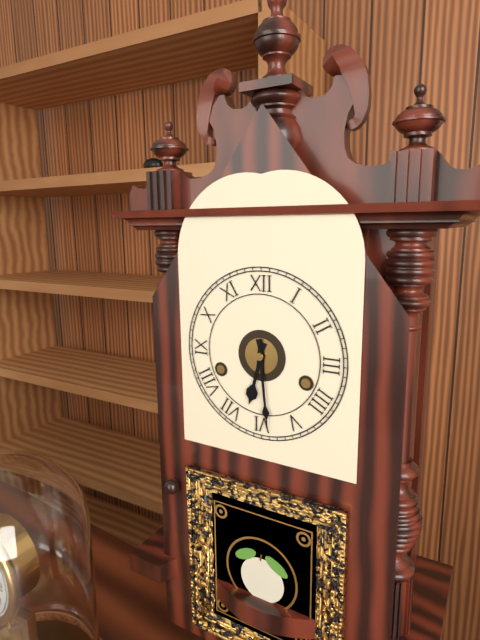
6 h 29 min
